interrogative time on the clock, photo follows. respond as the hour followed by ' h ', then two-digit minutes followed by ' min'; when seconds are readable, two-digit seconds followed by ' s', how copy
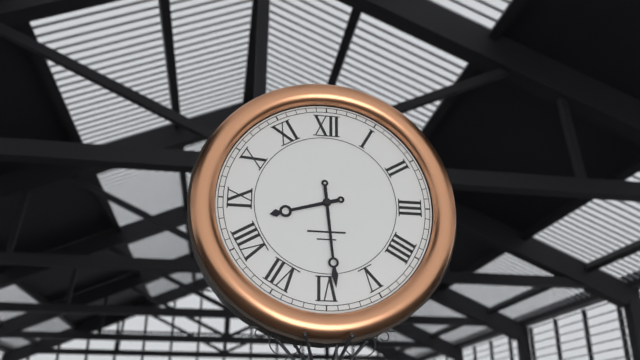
8 h 29 min
